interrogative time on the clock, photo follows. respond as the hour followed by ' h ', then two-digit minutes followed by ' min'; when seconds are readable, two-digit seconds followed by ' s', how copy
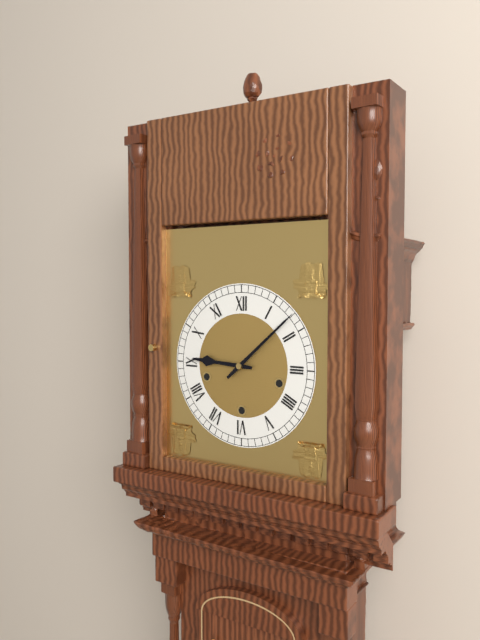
9 h 08 min
